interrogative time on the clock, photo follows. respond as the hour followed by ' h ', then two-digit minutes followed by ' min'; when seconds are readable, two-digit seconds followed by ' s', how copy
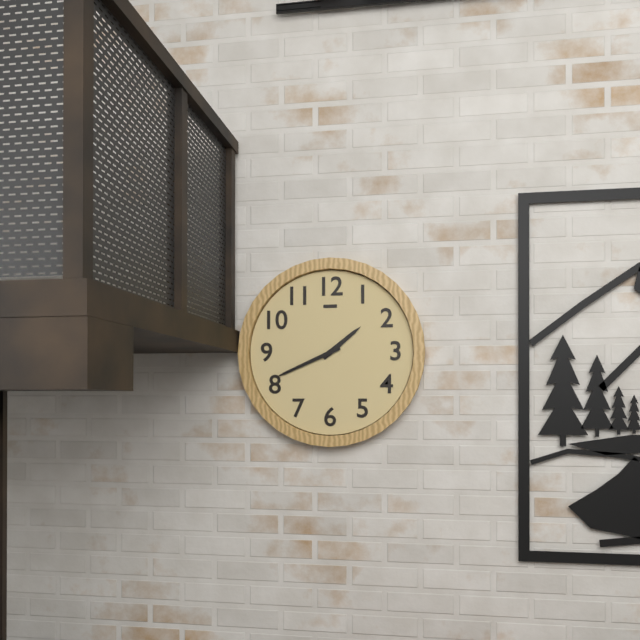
1 h 41 min
